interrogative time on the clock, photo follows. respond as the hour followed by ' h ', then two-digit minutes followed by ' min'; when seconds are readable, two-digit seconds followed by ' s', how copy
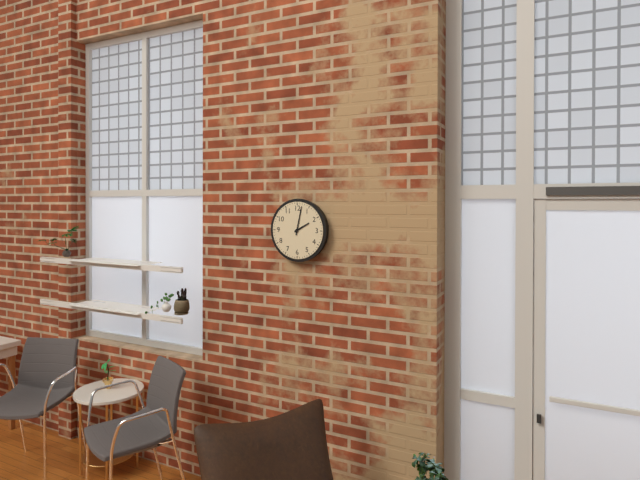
2 h 02 min
